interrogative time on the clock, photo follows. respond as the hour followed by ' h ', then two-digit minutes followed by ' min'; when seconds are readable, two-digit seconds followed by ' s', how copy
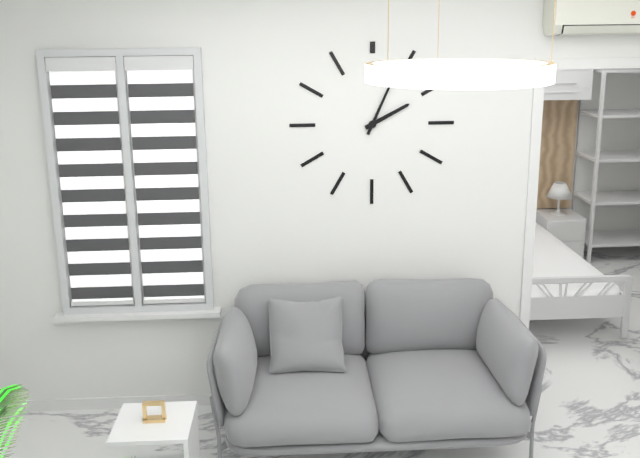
2 h 04 min
